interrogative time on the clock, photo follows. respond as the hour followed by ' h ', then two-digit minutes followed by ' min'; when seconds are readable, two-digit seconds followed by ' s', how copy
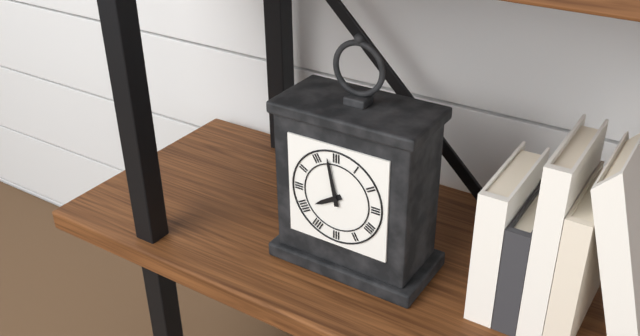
7 h 58 min
